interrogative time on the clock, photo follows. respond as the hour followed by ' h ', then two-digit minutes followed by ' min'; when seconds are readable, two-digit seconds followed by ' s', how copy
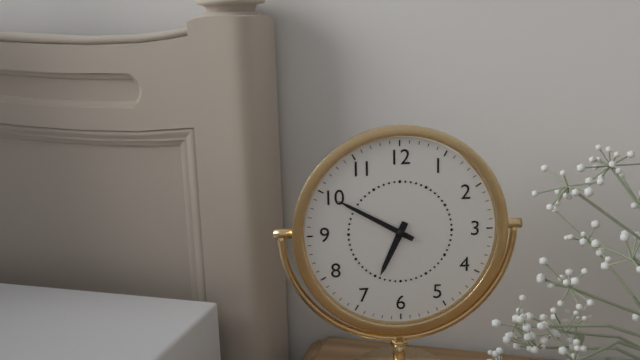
6 h 50 min
